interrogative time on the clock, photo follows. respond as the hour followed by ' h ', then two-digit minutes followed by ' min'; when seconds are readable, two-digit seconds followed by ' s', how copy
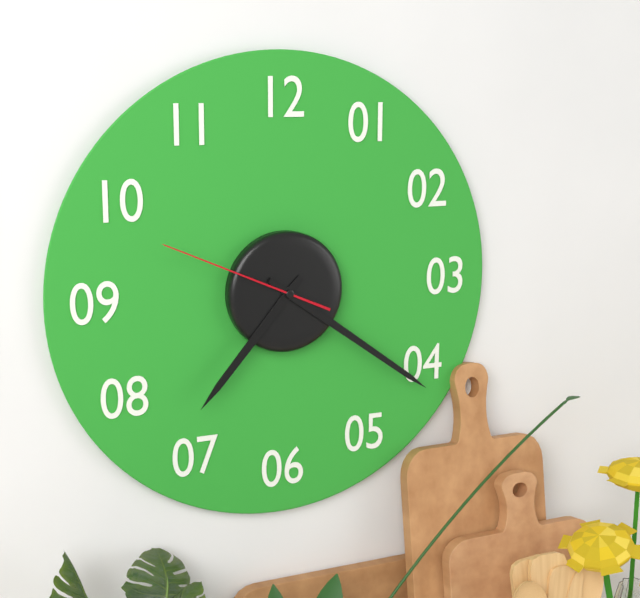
7 h 21 min 49 s
